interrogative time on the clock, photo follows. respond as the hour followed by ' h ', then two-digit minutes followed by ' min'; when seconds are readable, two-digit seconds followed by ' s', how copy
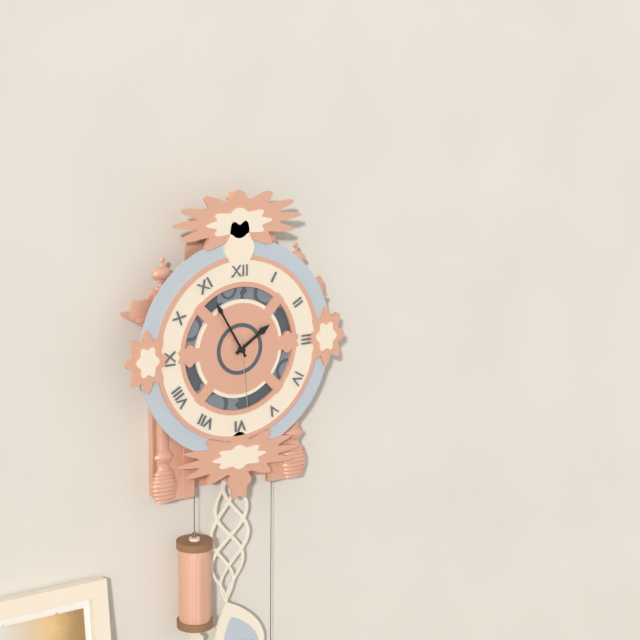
1 h 55 min 29 s
